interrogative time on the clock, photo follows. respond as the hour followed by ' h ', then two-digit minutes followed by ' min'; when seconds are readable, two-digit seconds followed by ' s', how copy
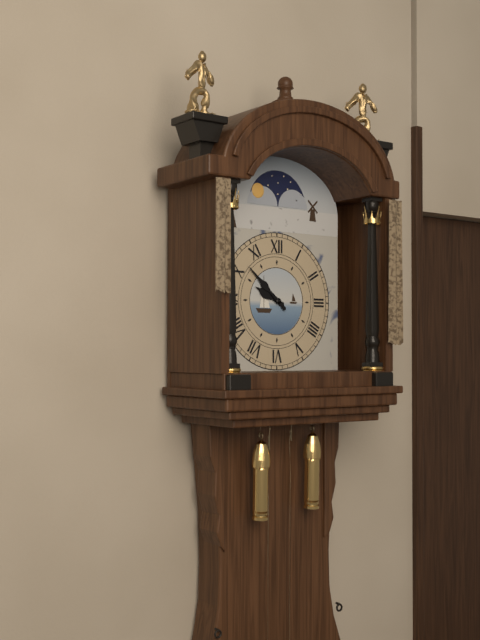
9 h 52 min
